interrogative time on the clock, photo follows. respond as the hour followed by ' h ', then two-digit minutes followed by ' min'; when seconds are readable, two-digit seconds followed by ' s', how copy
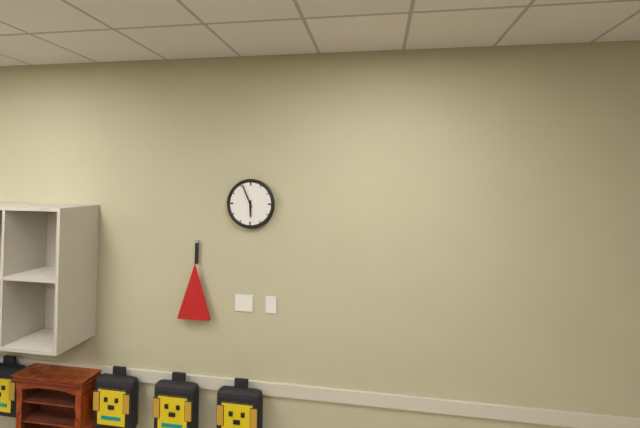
5 h 56 min
